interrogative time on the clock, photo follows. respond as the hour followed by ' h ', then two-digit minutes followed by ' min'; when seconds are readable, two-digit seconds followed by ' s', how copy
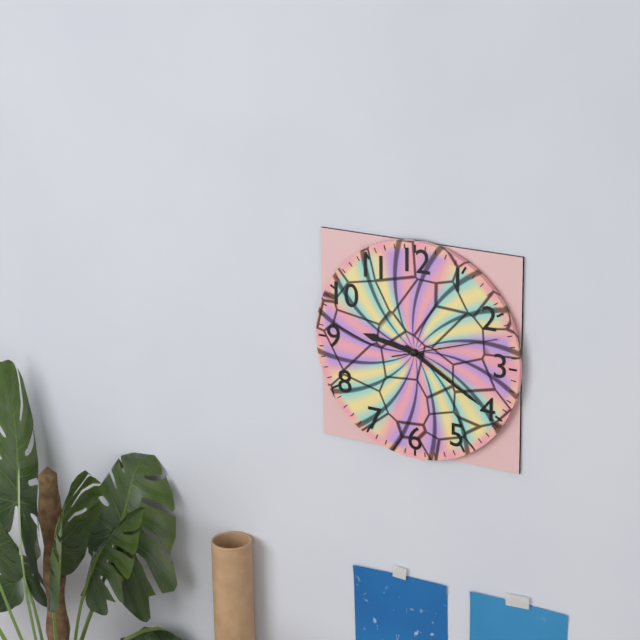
9 h 20 min 12 s
